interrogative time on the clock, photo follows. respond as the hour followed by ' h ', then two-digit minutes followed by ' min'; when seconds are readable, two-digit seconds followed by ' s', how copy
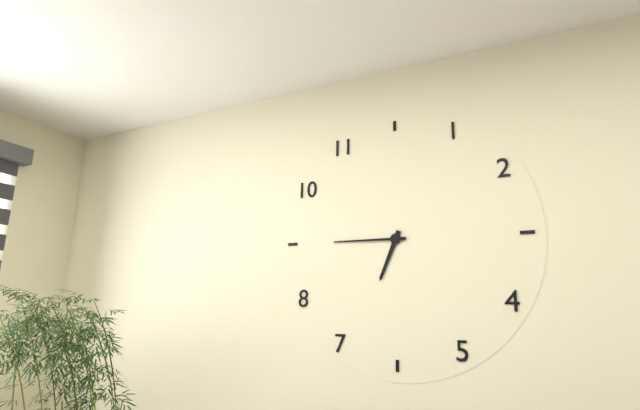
6 h 45 min
